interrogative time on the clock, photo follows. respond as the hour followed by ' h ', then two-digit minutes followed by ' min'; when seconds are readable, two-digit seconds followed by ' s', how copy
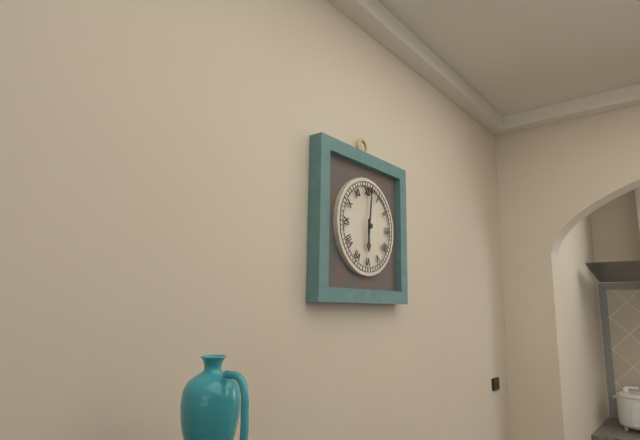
6 h 01 min
